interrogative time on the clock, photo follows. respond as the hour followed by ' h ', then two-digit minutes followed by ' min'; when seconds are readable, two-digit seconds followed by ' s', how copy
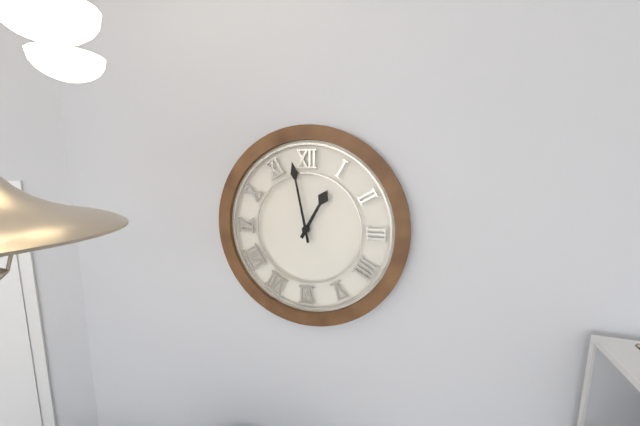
12 h 58 min
